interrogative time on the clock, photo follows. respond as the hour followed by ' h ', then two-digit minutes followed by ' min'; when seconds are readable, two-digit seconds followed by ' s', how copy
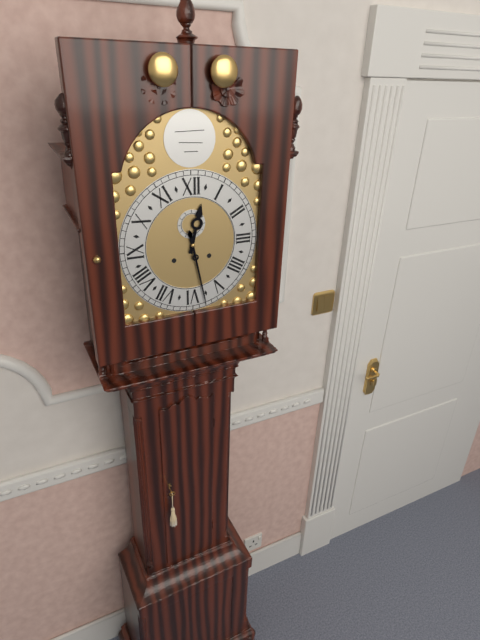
12 h 28 min
